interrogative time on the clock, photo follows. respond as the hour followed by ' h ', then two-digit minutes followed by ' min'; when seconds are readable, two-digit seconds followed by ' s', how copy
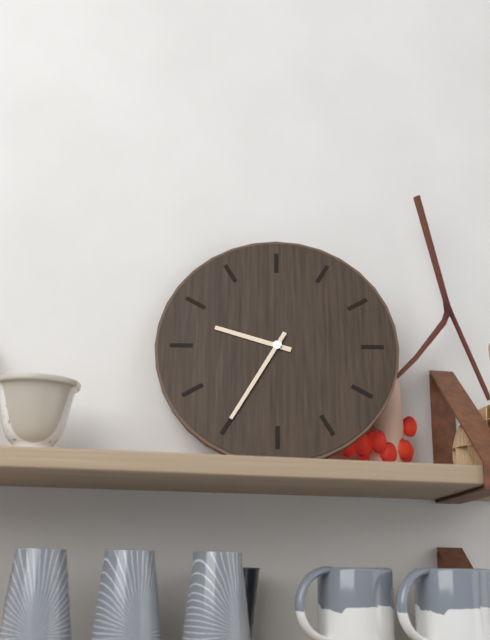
9 h 35 min
